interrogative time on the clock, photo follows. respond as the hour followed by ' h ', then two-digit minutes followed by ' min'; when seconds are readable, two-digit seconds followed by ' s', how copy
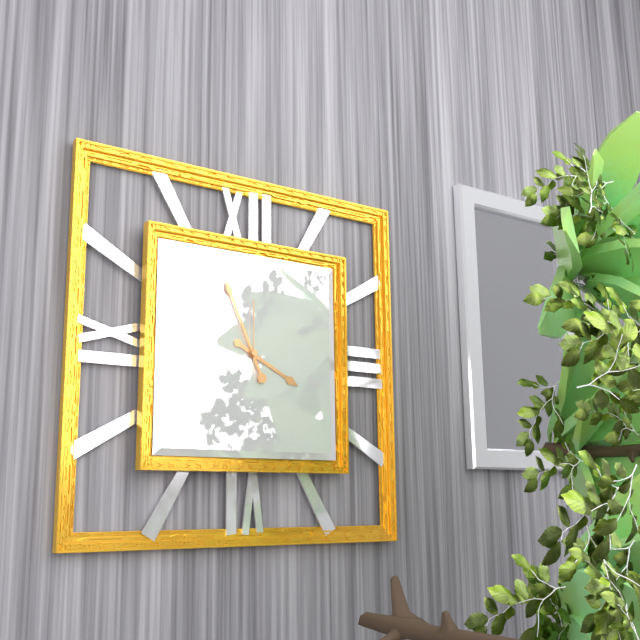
3 h 56 min 00 s
